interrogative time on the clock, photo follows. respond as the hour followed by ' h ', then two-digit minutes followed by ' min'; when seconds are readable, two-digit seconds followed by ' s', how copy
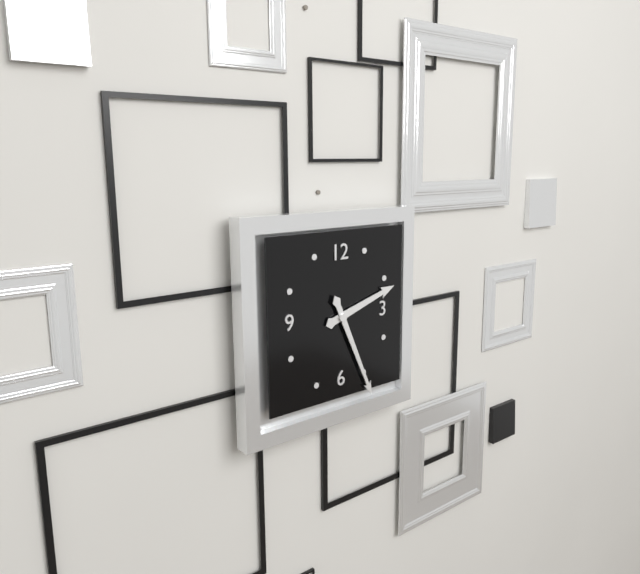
2 h 26 min
